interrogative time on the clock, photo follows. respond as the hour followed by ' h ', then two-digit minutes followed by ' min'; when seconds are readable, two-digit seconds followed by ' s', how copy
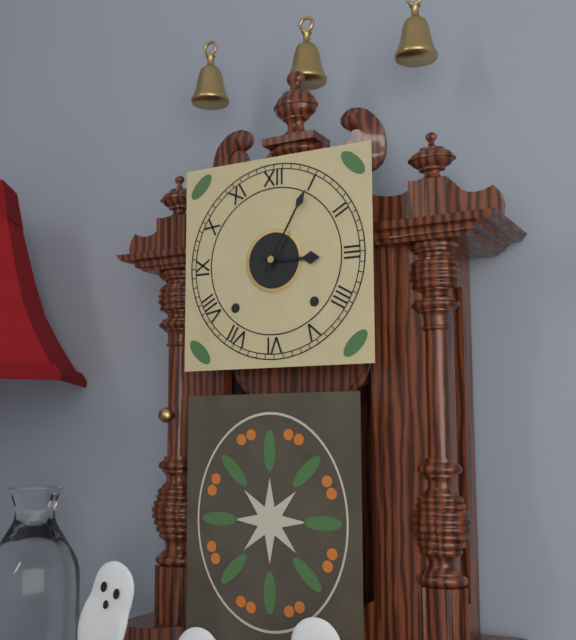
3 h 05 min
